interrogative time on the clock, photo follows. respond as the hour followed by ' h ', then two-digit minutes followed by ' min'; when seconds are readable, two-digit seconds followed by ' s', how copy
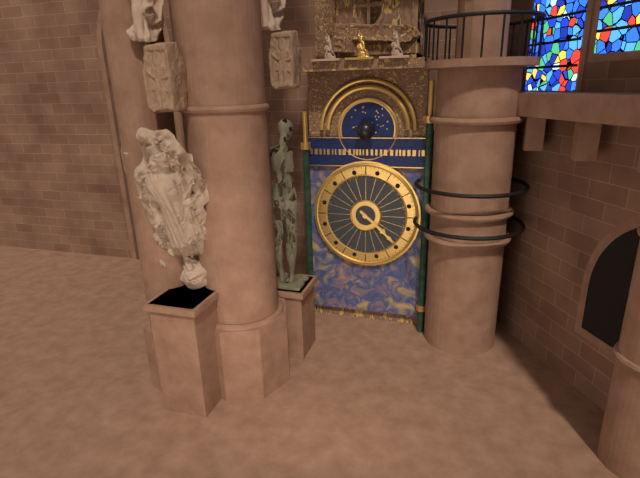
4 h 22 min
